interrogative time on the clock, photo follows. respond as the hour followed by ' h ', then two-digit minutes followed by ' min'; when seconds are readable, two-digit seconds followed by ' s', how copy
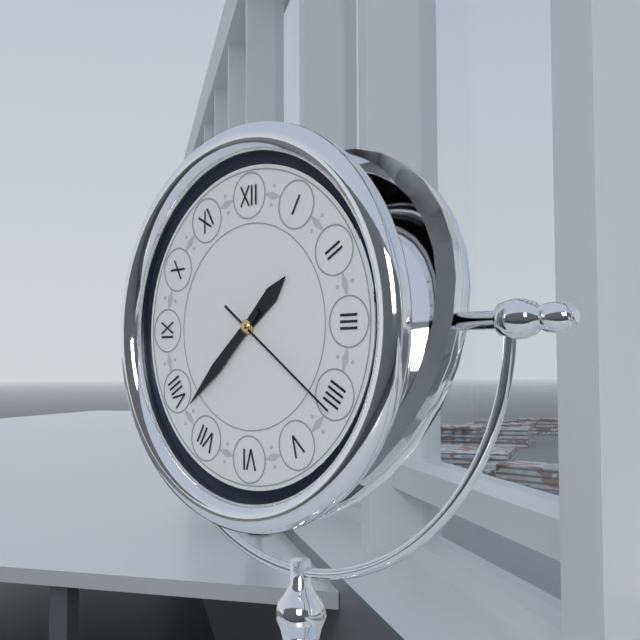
1 h 38 min 21 s
